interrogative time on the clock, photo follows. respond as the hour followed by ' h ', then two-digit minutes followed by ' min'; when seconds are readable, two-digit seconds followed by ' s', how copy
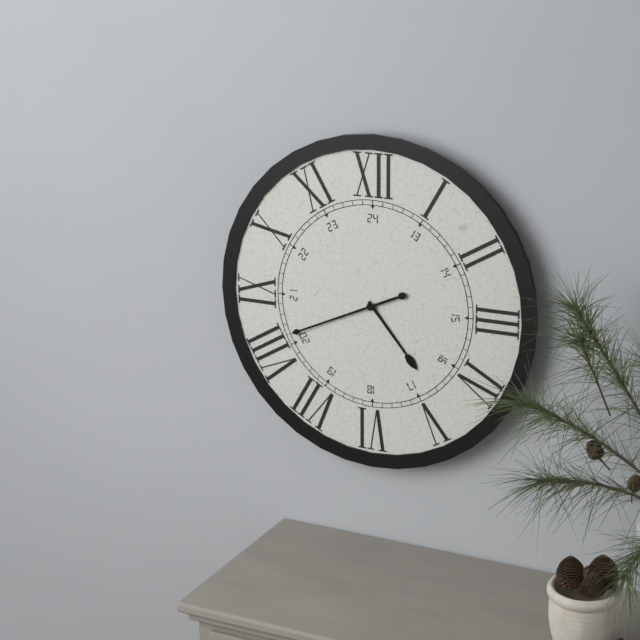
4 h 41 min
